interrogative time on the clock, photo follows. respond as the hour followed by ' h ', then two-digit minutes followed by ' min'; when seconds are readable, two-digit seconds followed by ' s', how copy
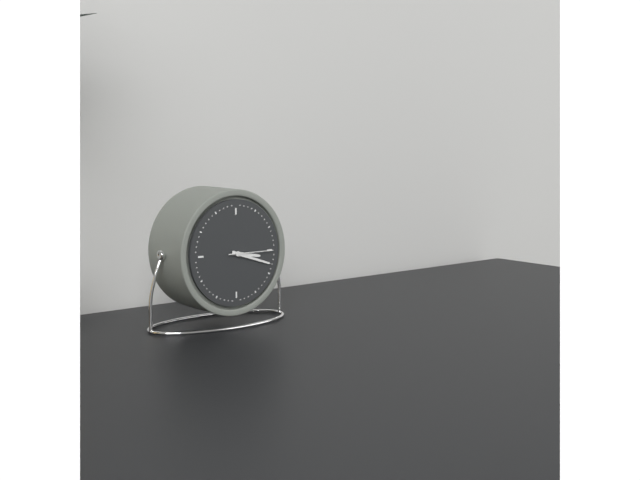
3 h 18 min
